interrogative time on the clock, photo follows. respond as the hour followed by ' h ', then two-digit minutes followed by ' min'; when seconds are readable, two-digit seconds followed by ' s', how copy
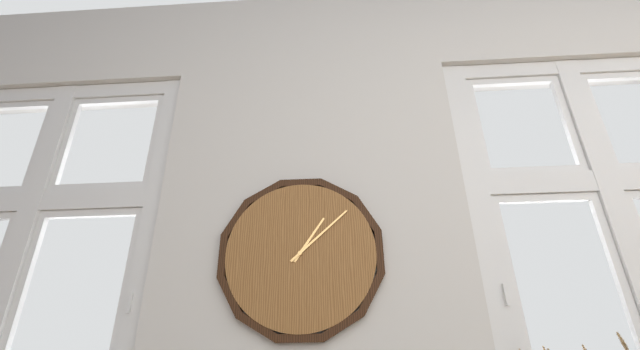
1 h 08 min
